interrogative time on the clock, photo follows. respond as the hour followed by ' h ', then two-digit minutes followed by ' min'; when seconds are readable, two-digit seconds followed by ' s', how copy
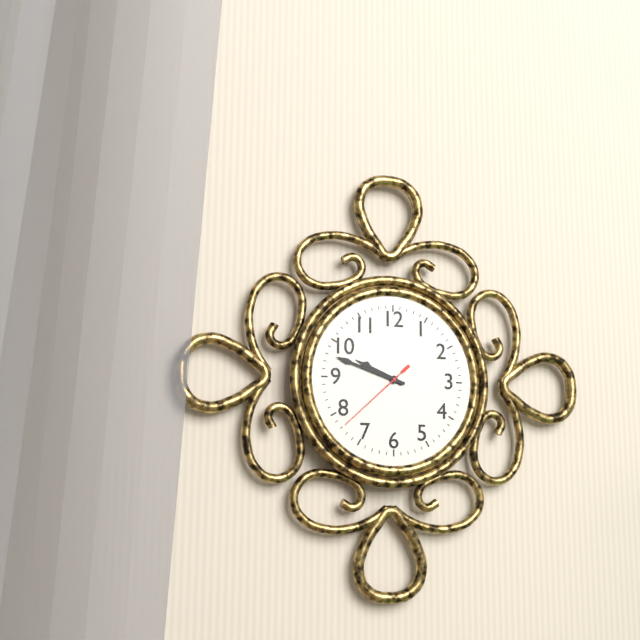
9 h 48 min 38 s
